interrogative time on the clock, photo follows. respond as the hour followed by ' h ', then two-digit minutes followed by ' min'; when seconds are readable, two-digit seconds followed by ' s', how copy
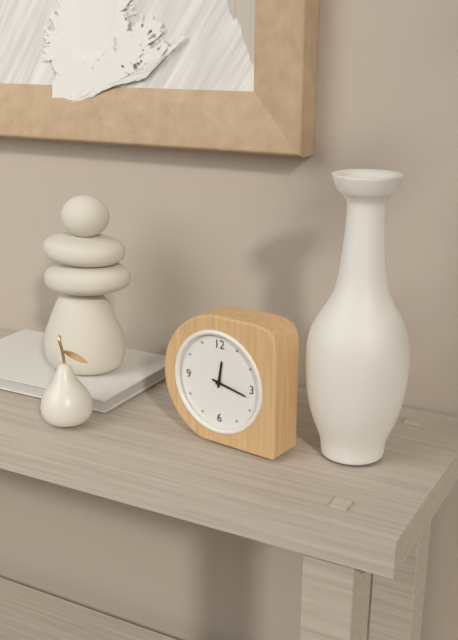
12 h 17 min
